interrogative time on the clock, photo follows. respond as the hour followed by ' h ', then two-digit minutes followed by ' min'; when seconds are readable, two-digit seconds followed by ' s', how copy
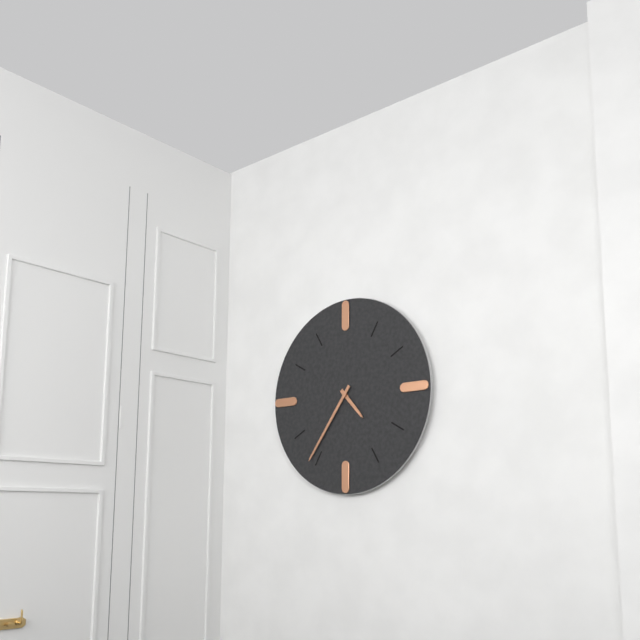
4 h 36 min
